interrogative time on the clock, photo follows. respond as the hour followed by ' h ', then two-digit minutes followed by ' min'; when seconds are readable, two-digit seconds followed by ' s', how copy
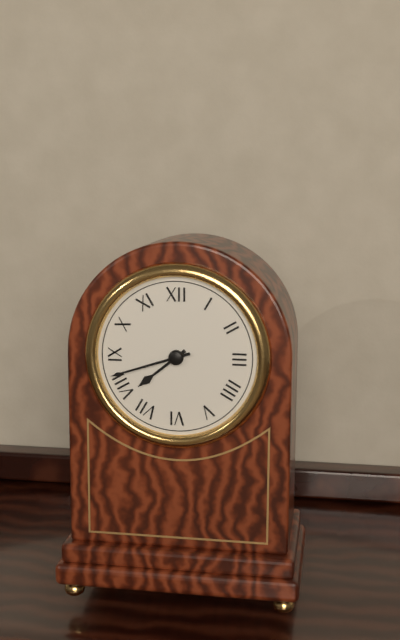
7 h 42 min
